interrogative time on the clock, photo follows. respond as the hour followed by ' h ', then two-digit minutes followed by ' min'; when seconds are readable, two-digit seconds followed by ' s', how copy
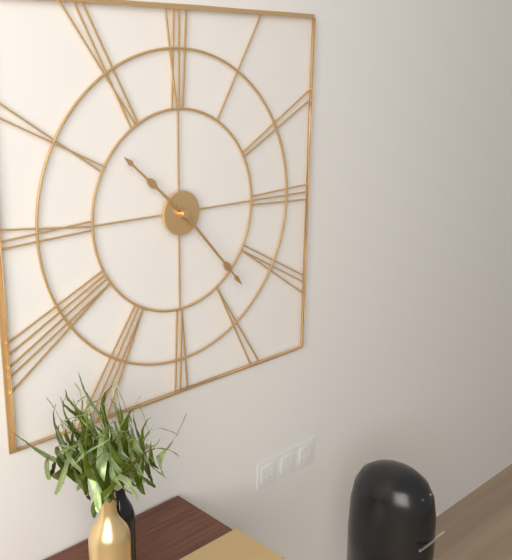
10 h 23 min
